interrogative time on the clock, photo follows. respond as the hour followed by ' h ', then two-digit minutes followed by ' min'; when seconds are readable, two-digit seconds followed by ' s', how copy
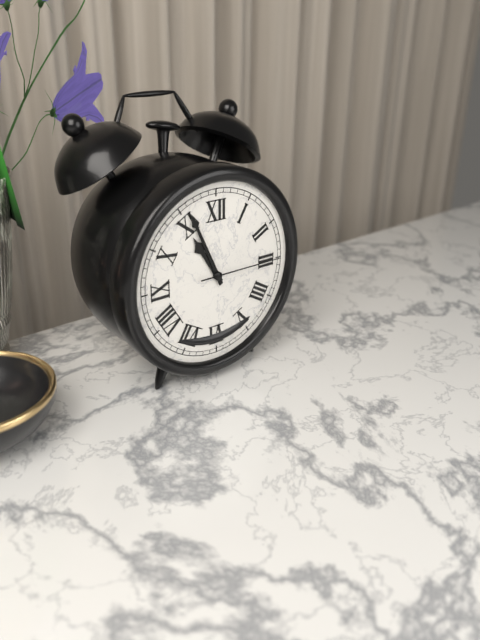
10 h 56 min 15 s
